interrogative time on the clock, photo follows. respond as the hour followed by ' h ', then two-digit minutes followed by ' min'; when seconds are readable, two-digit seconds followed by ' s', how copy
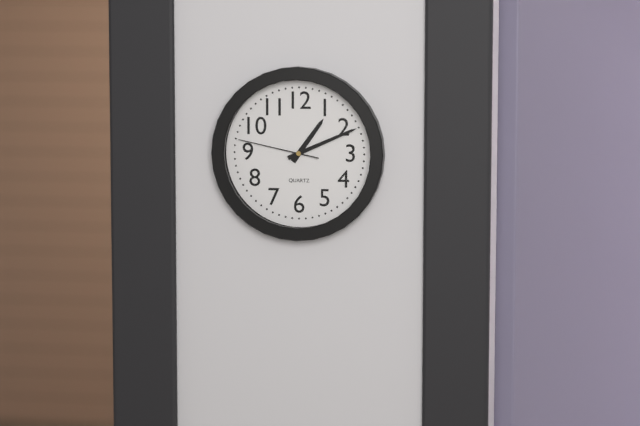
1 h 11 min 47 s
